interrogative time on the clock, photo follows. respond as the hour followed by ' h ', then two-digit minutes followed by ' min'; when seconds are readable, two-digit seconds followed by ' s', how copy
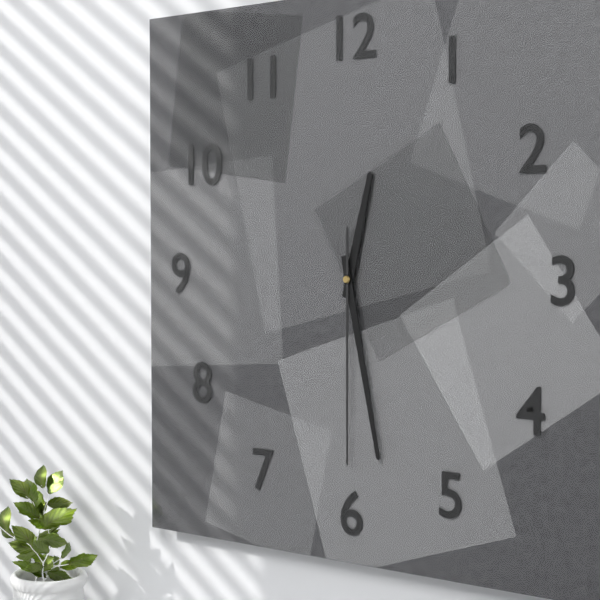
12 h 28 min 30 s
